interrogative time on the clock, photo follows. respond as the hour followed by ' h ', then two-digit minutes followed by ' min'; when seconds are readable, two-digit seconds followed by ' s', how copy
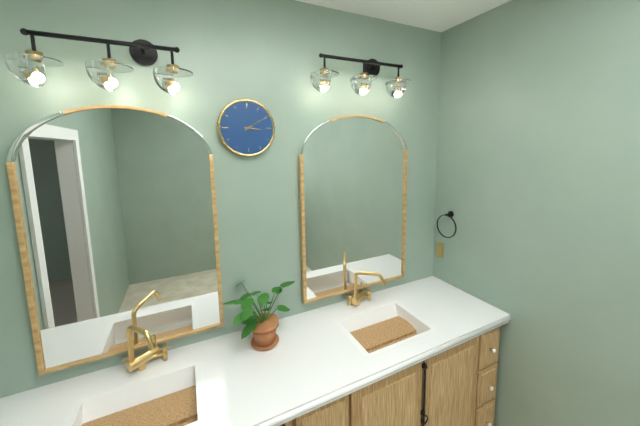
3 h 10 min
